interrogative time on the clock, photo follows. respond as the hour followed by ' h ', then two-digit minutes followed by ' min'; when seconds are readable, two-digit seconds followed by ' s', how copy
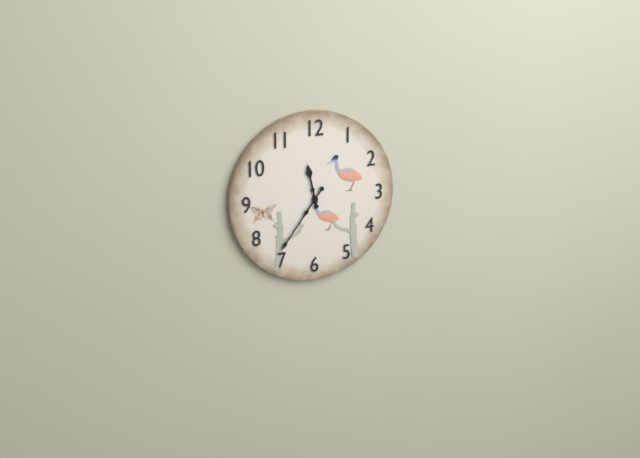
11 h 36 min
